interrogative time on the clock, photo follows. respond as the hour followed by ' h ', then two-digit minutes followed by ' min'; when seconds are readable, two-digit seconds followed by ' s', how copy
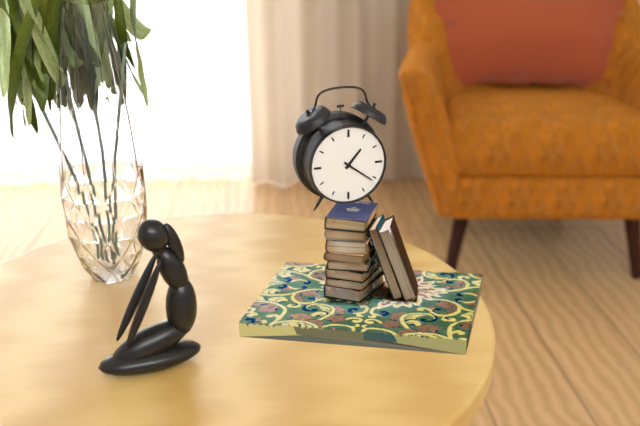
1 h 21 min
